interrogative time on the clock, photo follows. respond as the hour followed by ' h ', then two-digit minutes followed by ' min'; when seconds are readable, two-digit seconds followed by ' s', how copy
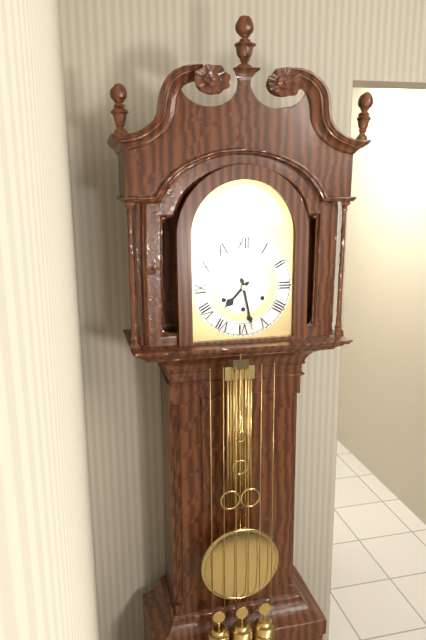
7 h 28 min
